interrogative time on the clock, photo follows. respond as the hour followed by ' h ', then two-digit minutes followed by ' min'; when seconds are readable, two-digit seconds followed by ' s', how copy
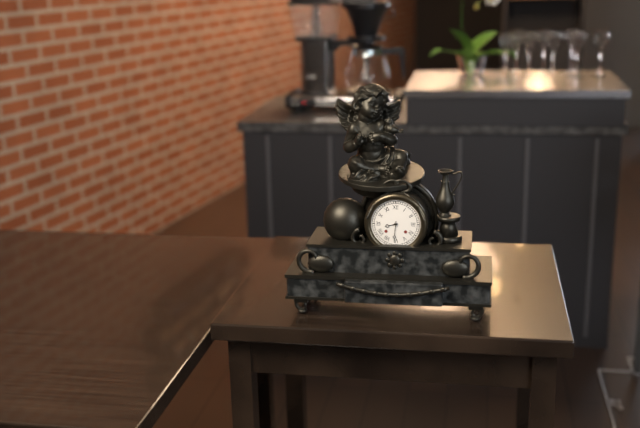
8 h 31 min
